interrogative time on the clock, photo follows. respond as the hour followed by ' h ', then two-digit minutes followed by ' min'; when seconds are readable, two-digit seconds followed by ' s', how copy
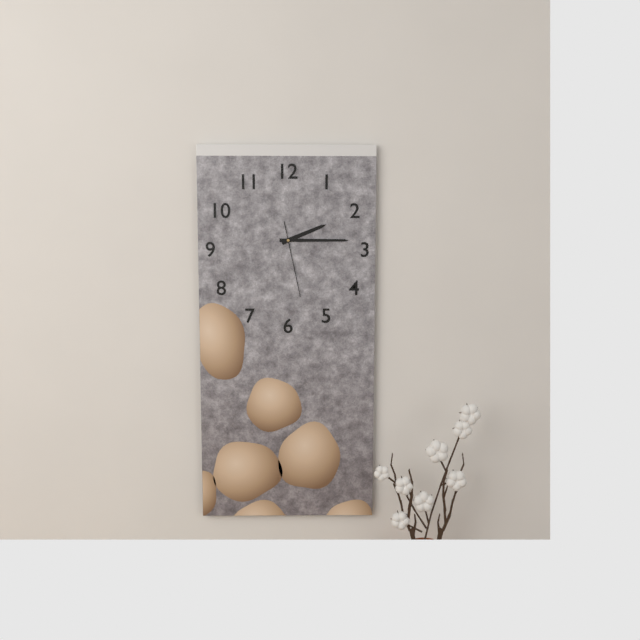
2 h 15 min 28 s
